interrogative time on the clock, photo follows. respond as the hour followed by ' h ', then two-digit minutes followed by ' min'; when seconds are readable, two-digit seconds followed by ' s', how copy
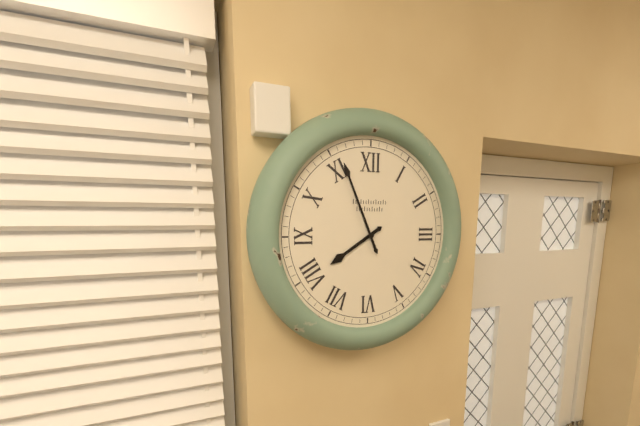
7 h 56 min
